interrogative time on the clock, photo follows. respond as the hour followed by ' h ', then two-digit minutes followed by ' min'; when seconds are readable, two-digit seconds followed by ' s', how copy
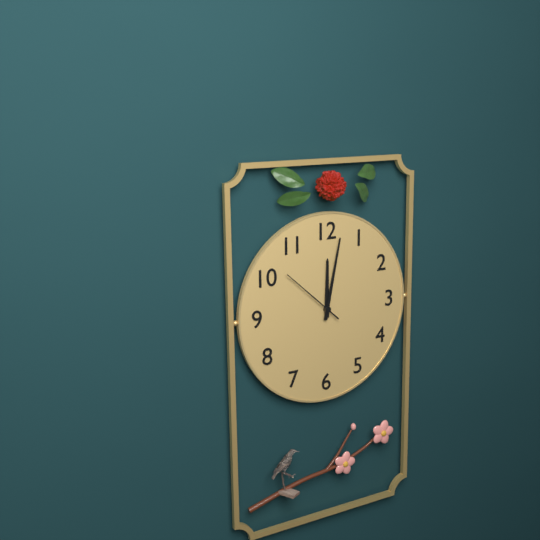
12 h 02 min 52 s
